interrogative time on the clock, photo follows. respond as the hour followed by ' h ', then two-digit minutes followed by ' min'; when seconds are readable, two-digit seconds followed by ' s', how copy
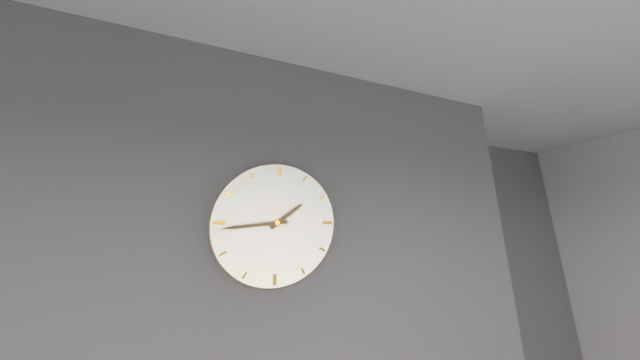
1 h 44 min
